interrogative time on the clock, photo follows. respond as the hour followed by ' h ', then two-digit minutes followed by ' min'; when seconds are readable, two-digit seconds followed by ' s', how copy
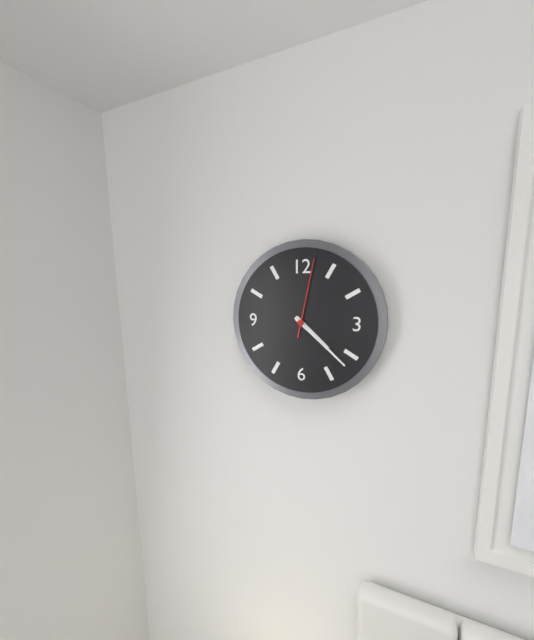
4 h 22 min 02 s
